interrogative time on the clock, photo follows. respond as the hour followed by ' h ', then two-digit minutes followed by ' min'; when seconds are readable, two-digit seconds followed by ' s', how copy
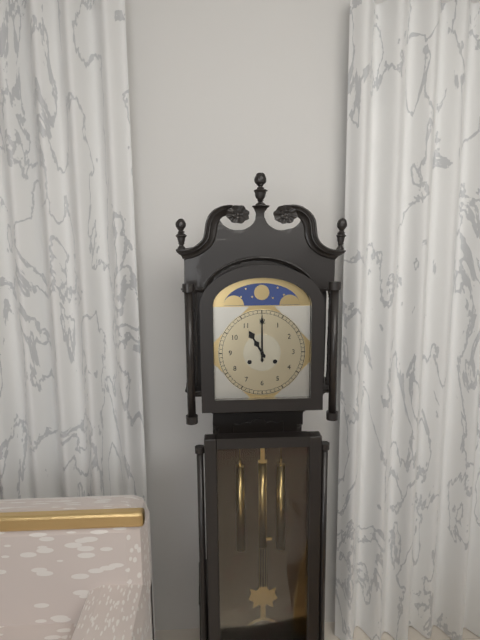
11 h 00 min
